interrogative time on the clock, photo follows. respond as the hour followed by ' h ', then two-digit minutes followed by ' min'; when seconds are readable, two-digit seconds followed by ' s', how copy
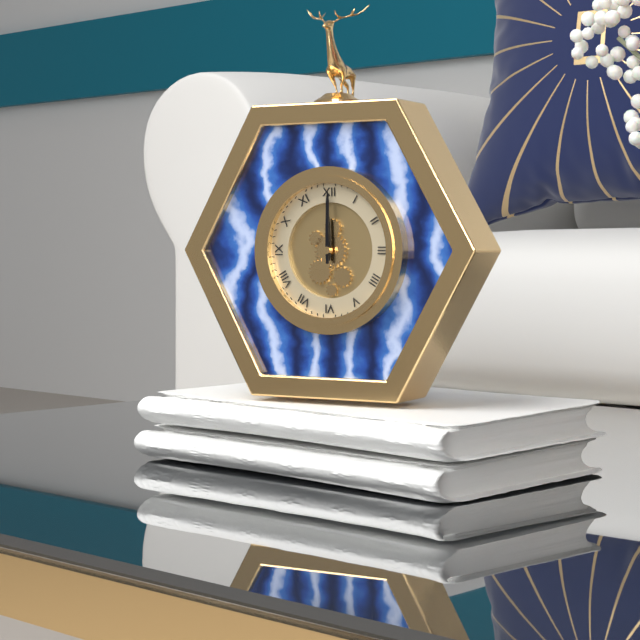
12 h 00 min
